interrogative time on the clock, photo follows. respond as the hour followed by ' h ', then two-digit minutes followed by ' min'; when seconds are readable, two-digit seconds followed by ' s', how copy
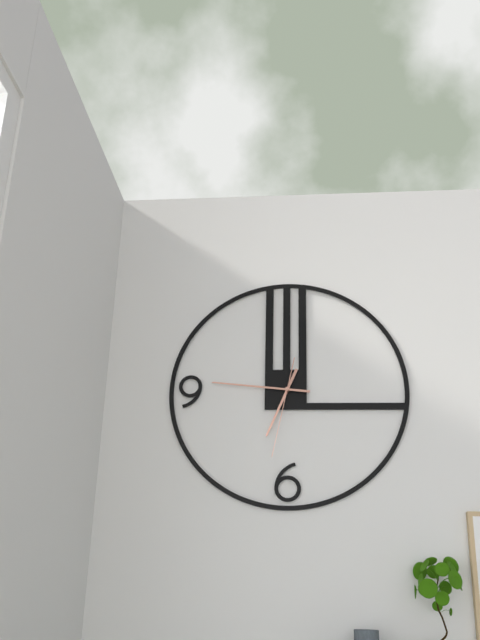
6 h 46 min 32 s
